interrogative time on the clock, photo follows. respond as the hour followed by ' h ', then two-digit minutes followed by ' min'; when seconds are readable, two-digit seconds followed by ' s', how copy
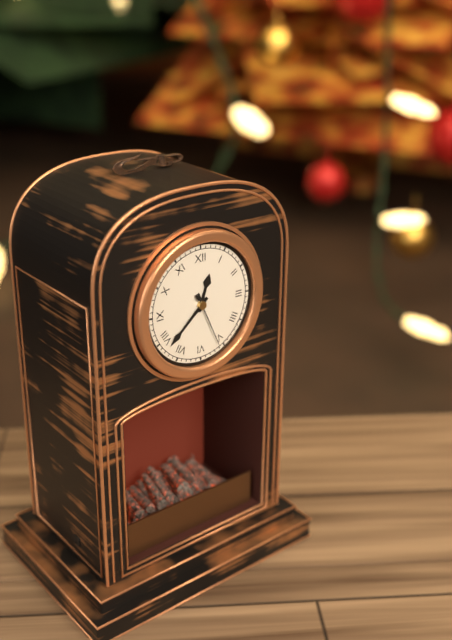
12 h 38 min 26 s
